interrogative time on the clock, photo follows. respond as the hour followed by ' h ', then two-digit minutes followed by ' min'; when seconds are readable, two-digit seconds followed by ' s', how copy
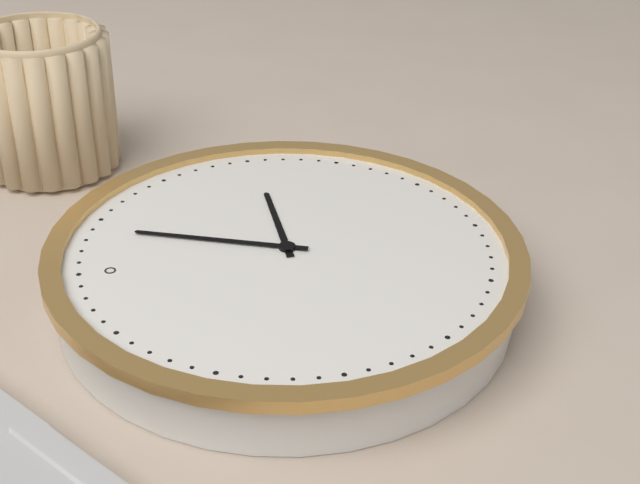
3 h 04 min
